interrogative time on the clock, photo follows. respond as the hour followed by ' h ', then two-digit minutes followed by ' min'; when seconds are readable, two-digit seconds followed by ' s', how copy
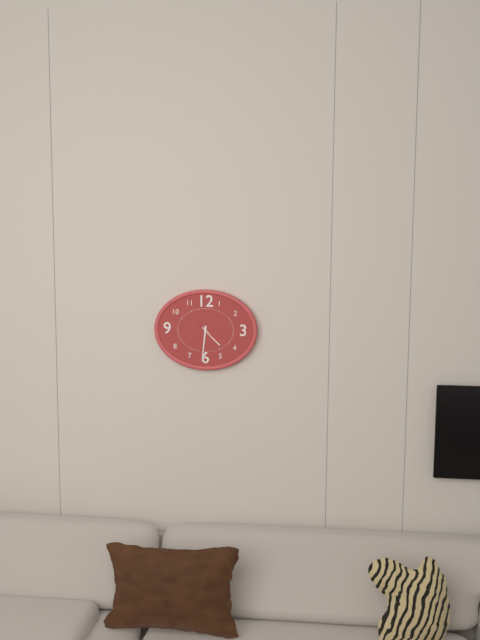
4 h 31 min
